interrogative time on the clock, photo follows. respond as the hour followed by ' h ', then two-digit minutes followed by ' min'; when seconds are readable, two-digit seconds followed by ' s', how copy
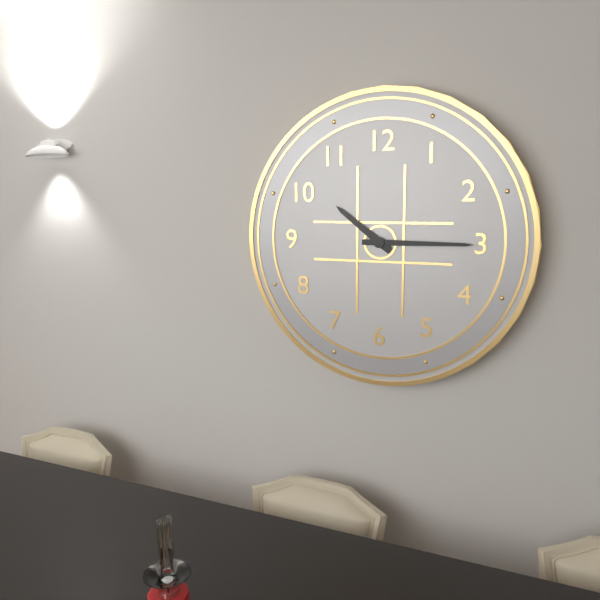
10 h 15 min
